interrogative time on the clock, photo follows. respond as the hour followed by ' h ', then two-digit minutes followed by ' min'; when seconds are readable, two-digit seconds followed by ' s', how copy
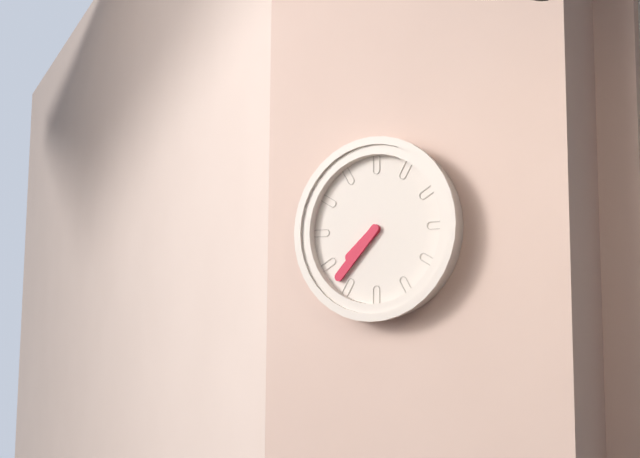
7 h 37 min
